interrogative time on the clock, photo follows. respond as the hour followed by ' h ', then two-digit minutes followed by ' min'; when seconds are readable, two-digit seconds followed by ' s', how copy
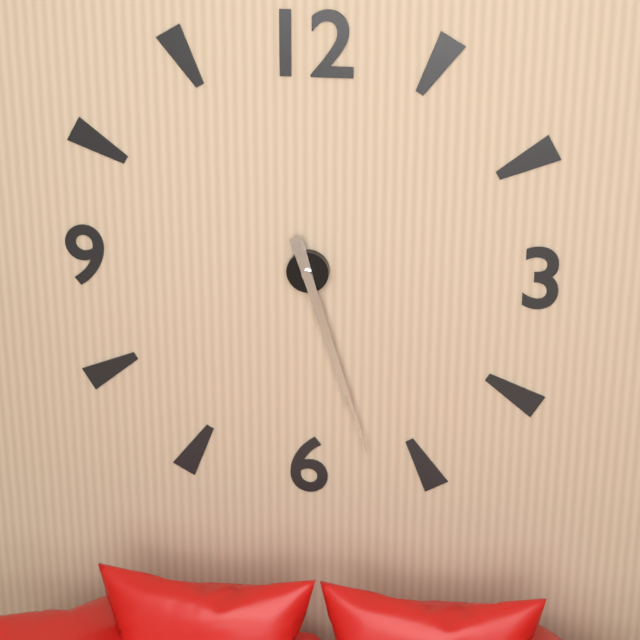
5 h 27 min
